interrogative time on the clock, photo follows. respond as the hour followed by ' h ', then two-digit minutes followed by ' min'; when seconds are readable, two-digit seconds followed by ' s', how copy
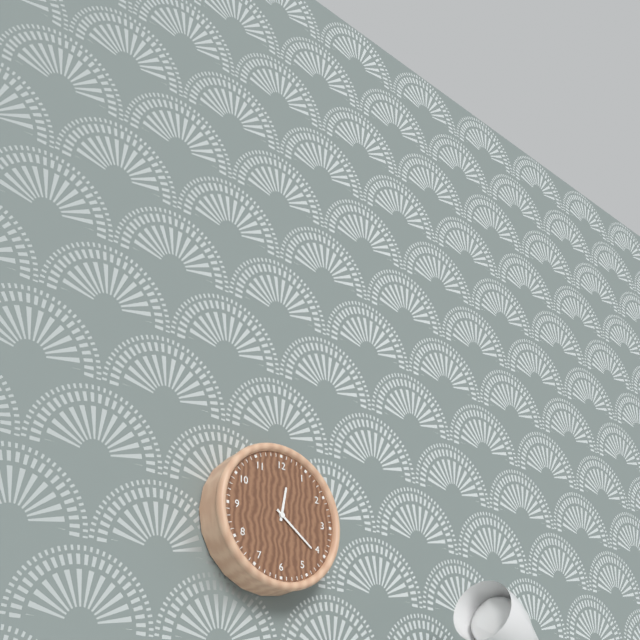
12 h 21 min
